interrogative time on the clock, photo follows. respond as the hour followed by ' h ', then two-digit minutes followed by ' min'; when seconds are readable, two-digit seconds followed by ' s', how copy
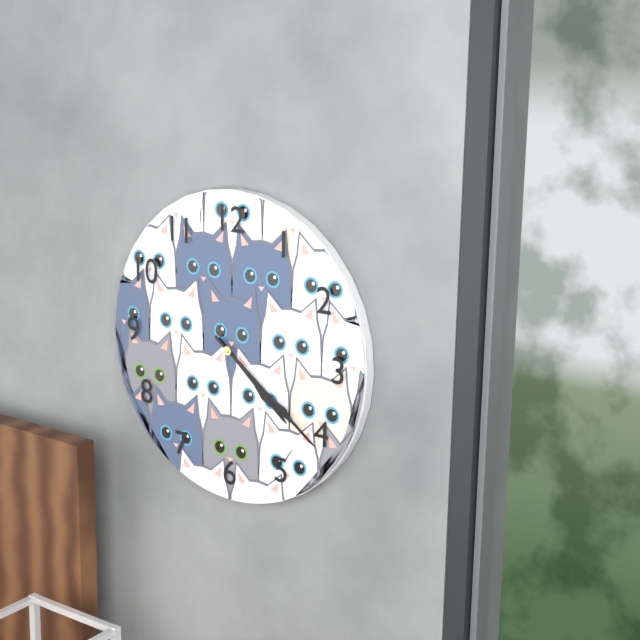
4 h 21 min
